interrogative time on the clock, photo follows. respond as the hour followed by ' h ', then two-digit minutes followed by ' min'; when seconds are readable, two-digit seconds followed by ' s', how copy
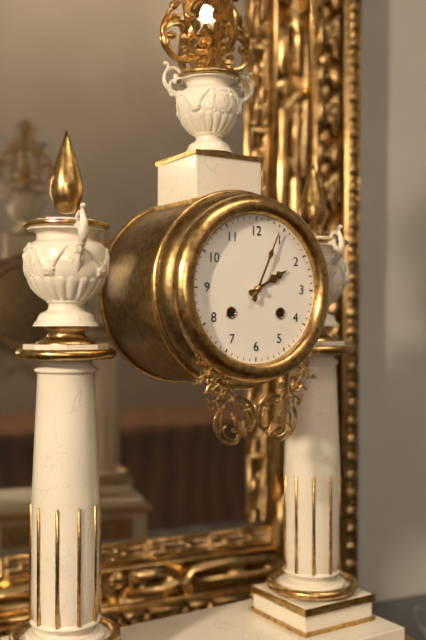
2 h 04 min
